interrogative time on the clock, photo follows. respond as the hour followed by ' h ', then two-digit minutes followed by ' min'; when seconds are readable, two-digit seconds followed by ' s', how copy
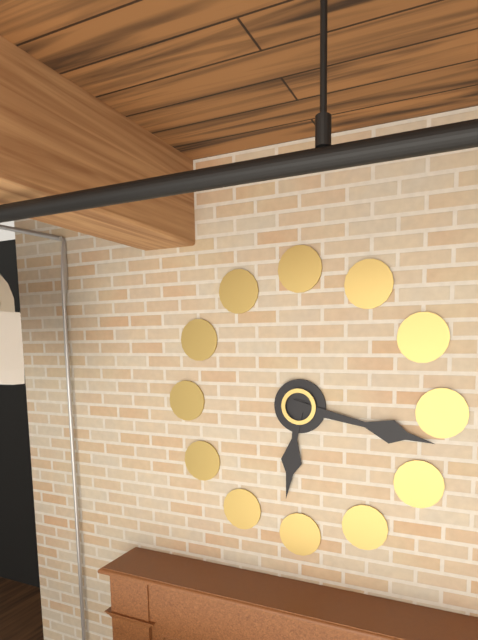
6 h 17 min
